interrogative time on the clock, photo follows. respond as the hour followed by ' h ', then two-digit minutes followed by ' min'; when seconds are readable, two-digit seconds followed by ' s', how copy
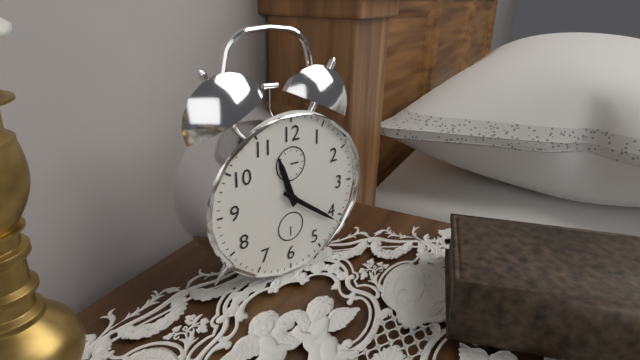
11 h 21 min
